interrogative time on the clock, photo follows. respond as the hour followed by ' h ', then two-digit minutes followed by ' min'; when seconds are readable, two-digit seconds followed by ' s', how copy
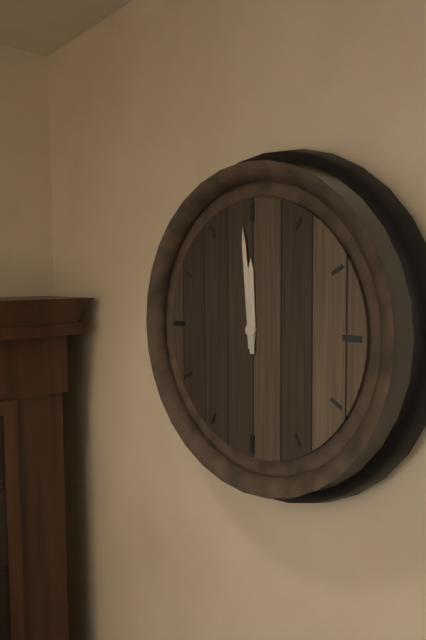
11 h 59 min
